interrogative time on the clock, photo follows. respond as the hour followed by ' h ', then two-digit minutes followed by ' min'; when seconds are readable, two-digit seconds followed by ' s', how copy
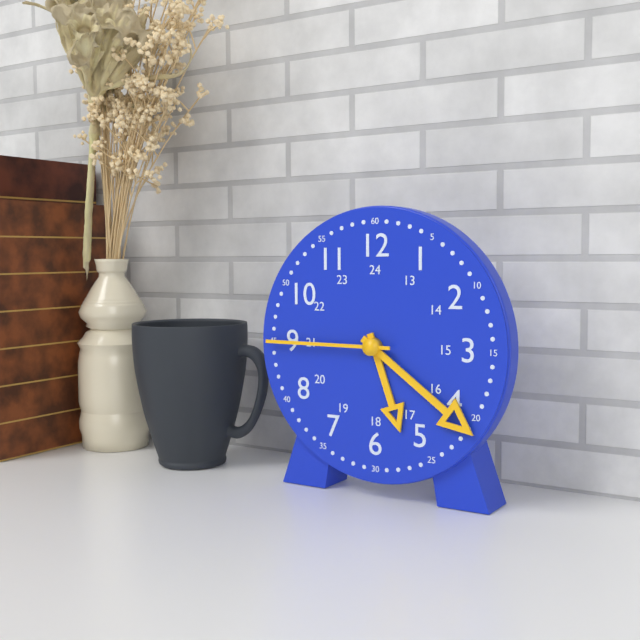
5 h 21 min 45 s
